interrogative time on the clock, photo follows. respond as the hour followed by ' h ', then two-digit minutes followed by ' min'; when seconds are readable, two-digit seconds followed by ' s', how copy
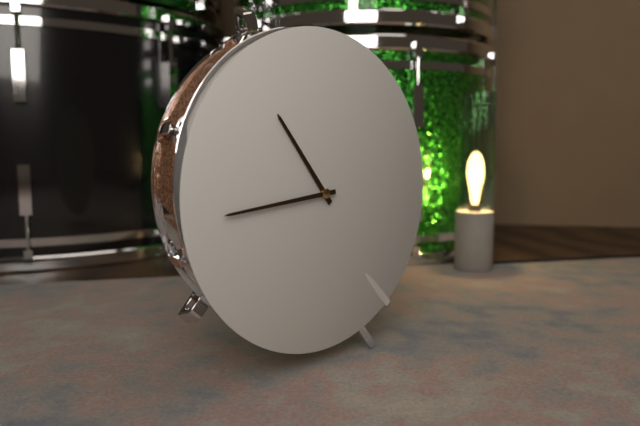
10 h 44 min
